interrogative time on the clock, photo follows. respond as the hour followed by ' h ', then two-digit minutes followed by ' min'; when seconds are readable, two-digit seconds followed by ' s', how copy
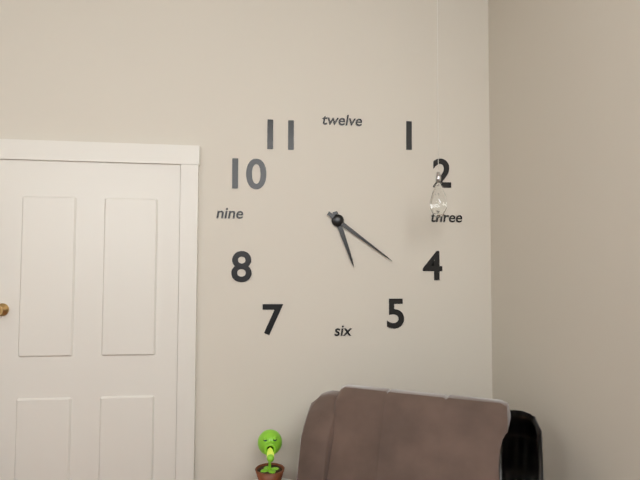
5 h 21 min
